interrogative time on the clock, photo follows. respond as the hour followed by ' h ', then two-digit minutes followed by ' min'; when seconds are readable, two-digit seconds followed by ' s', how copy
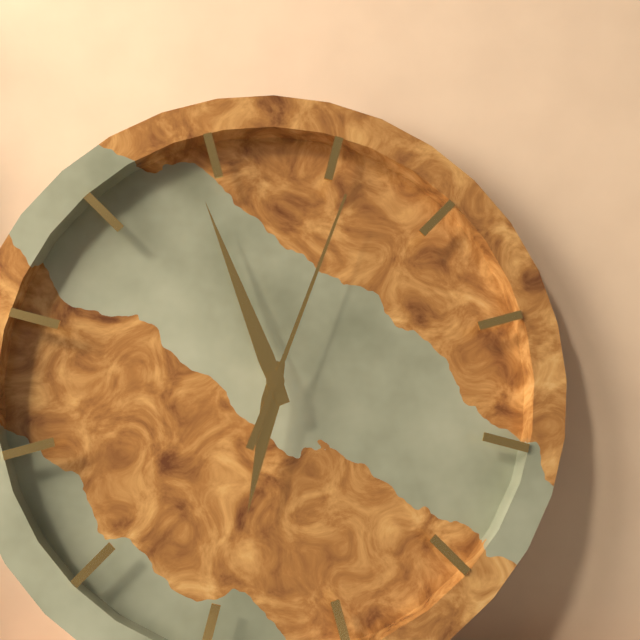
5 h 54 min 01 s
